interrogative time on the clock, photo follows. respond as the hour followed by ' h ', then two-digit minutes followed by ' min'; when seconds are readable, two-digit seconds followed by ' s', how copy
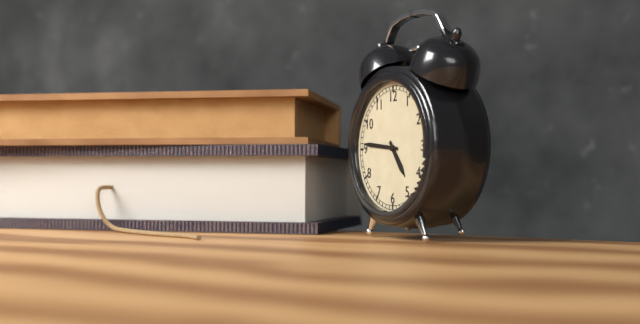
4 h 46 min
